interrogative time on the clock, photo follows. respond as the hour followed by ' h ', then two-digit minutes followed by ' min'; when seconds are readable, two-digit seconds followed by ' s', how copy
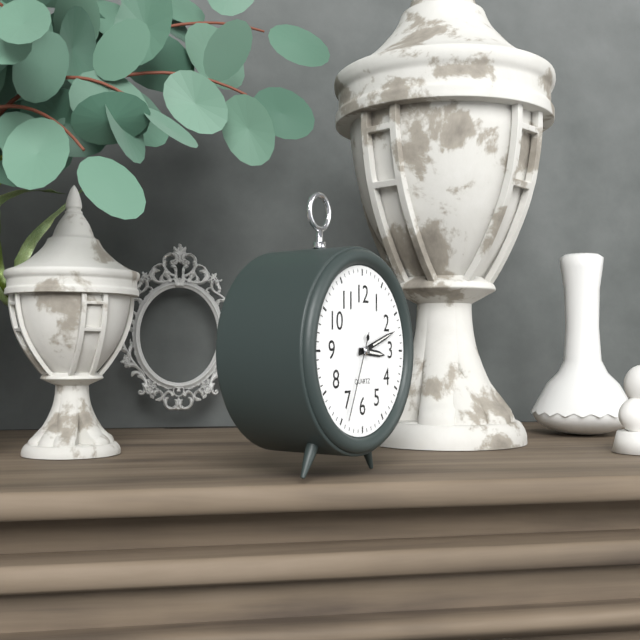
3 h 12 min 34 s
